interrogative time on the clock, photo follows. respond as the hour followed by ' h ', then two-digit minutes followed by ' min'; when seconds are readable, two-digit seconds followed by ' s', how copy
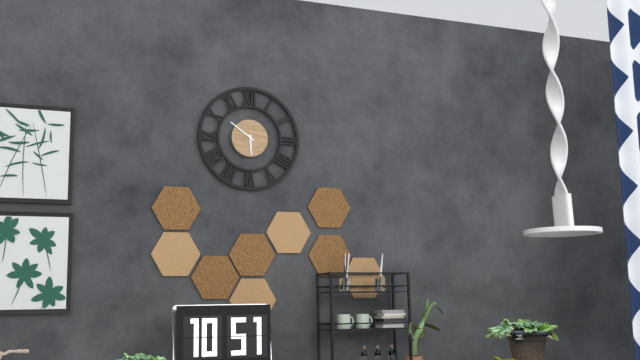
5 h 51 min
